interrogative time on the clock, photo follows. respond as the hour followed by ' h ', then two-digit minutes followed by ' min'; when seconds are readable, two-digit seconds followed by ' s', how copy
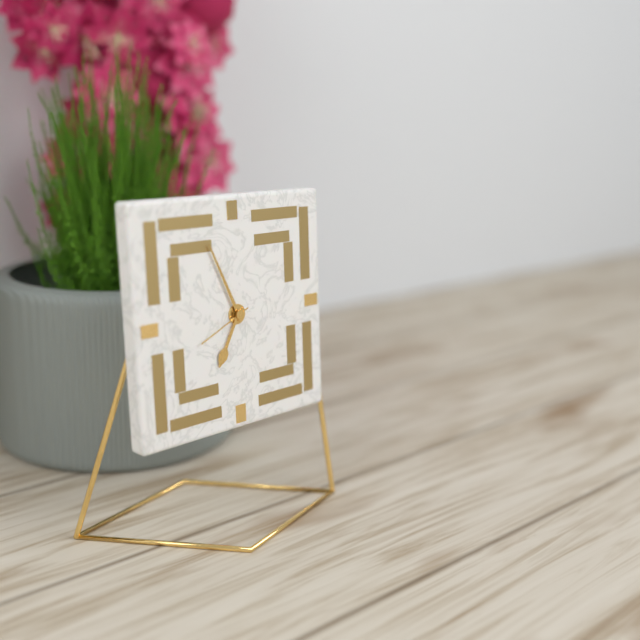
6 h 56 min 41 s
